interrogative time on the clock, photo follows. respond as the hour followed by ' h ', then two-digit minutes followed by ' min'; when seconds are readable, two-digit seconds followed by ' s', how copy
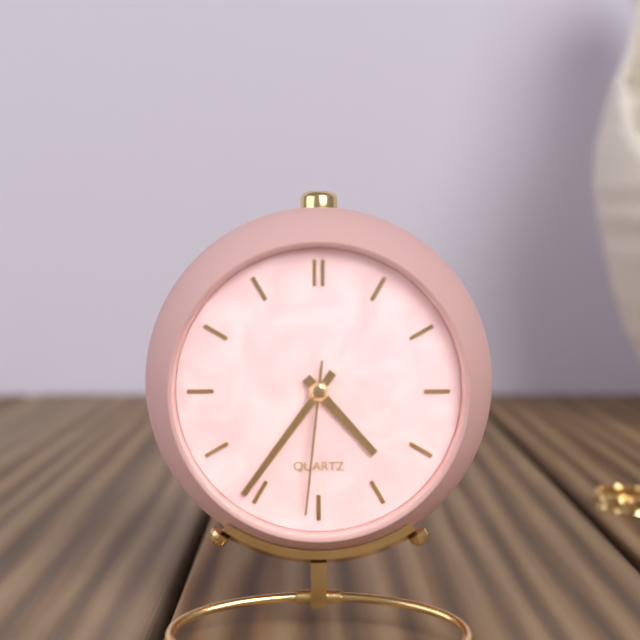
4 h 36 min 31 s
